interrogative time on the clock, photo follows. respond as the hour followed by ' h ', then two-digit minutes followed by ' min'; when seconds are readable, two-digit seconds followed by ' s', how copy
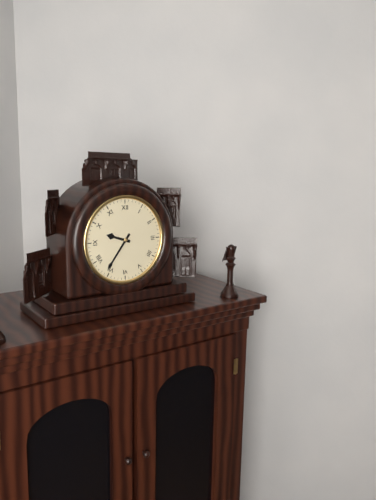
9 h 36 min
